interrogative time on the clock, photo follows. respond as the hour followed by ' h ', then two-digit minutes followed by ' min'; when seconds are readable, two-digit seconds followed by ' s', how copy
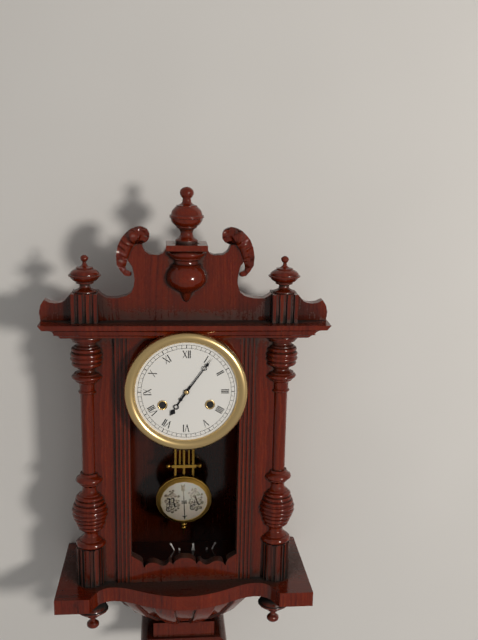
7 h 06 min
